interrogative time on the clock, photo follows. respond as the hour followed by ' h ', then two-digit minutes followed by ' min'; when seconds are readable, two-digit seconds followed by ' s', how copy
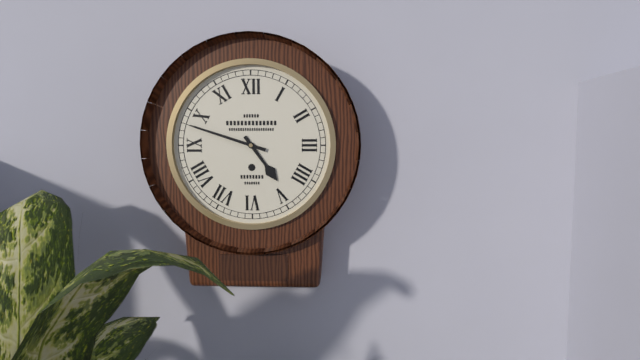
4 h 48 min
